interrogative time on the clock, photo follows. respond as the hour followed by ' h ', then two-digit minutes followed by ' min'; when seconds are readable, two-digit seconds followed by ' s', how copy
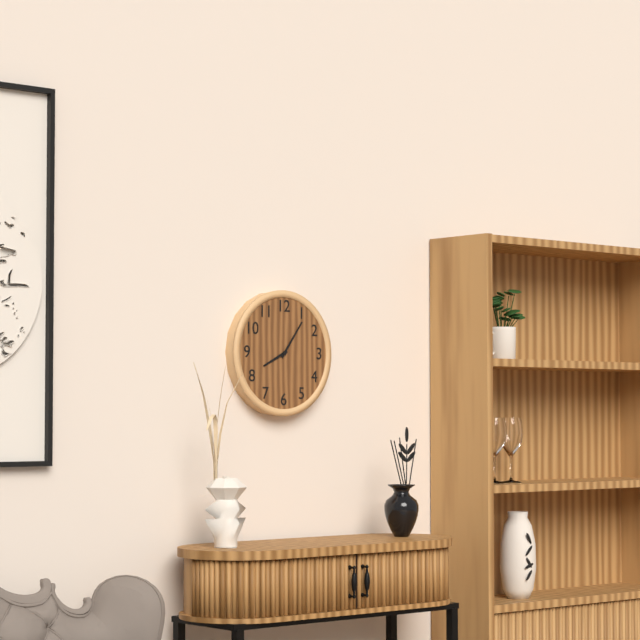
8 h 06 min
